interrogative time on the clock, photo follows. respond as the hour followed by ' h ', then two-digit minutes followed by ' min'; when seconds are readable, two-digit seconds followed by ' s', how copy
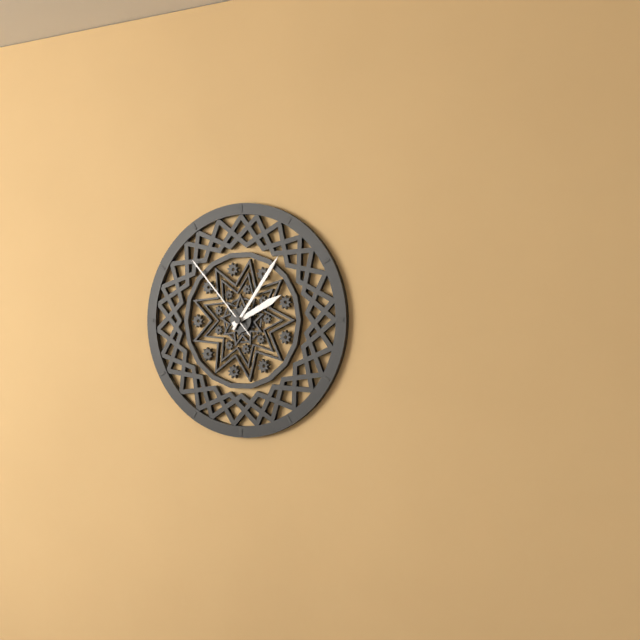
2 h 06 min 53 s
